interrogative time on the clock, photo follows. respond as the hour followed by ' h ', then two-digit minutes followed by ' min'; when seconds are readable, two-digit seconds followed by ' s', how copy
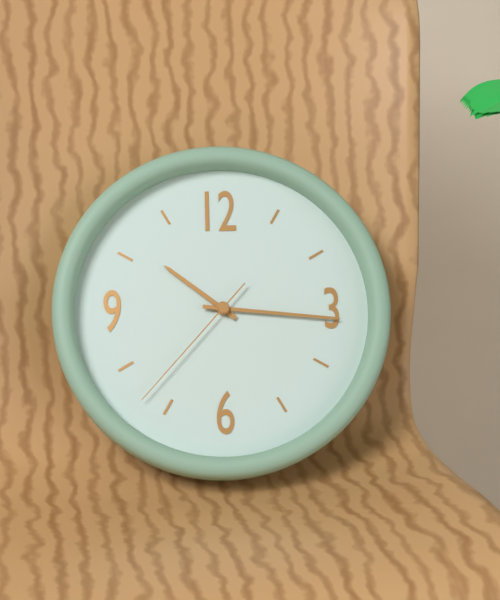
10 h 16 min 37 s
